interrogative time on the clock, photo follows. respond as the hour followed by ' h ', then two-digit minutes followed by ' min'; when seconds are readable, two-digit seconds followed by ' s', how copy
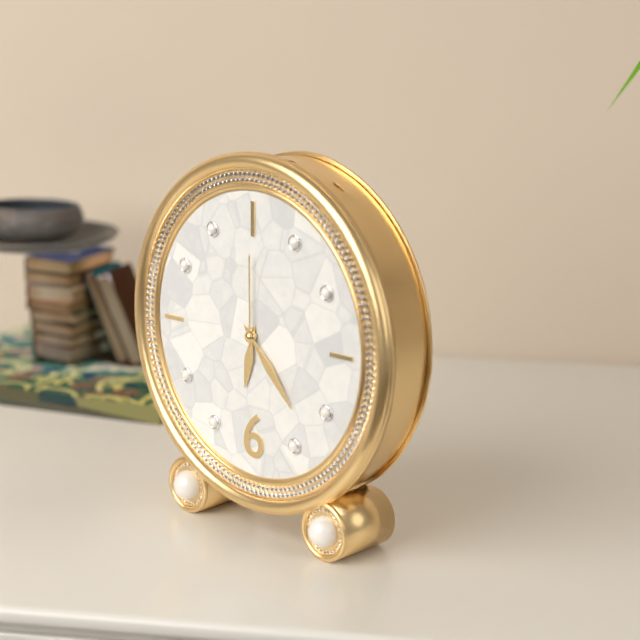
6 h 23 min 00 s
